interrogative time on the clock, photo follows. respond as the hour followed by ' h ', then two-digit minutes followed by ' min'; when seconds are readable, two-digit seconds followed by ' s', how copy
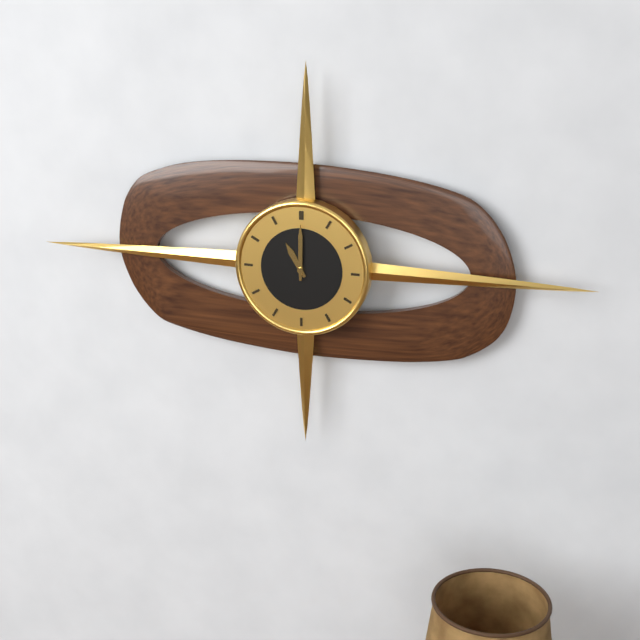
11 h 00 min
